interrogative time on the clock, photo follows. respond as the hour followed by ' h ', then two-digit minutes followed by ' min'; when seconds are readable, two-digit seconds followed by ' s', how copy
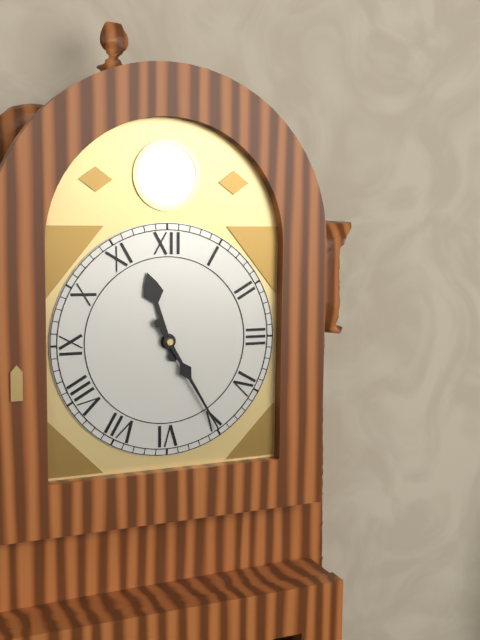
11 h 25 min
